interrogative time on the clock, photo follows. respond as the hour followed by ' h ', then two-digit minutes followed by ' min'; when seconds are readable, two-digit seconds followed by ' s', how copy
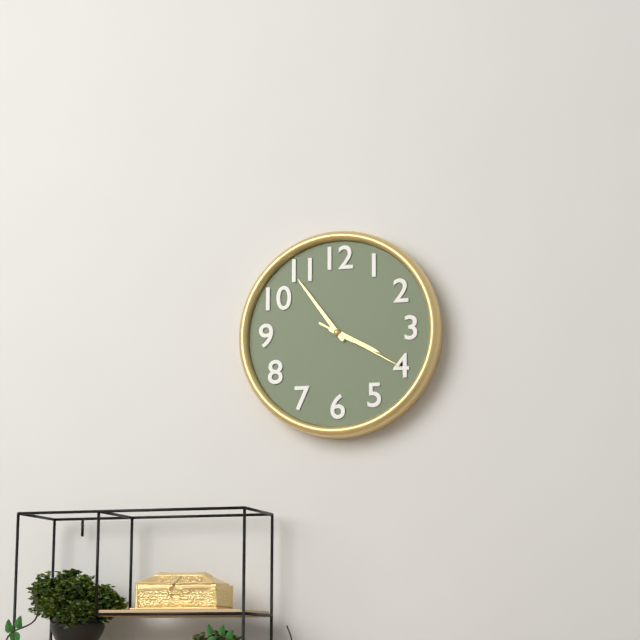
3 h 54 min 20 s
